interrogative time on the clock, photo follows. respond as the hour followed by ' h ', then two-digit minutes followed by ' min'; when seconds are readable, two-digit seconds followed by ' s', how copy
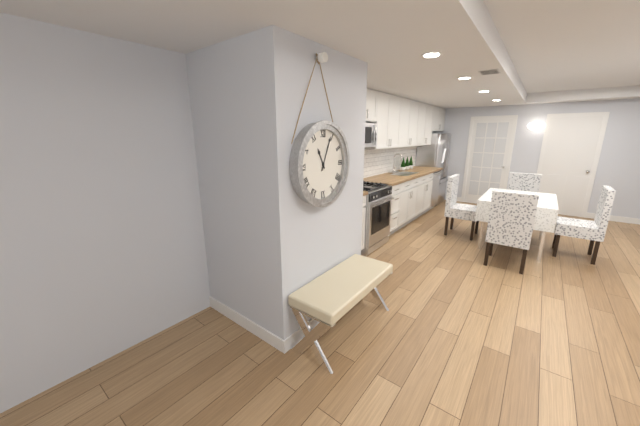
11 h 04 min
